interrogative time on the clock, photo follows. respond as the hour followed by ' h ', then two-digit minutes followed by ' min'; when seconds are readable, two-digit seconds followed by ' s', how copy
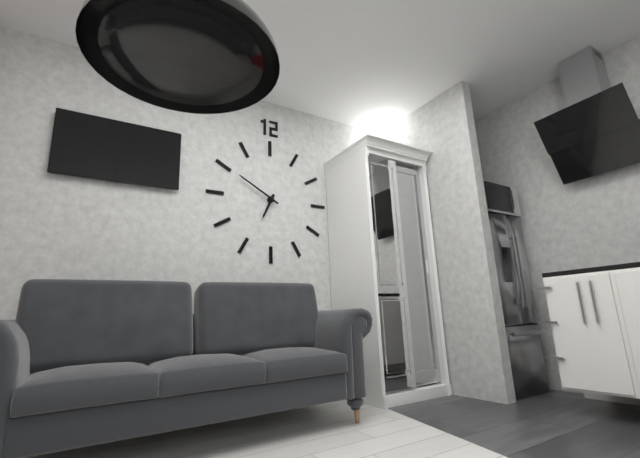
6 h 50 min
